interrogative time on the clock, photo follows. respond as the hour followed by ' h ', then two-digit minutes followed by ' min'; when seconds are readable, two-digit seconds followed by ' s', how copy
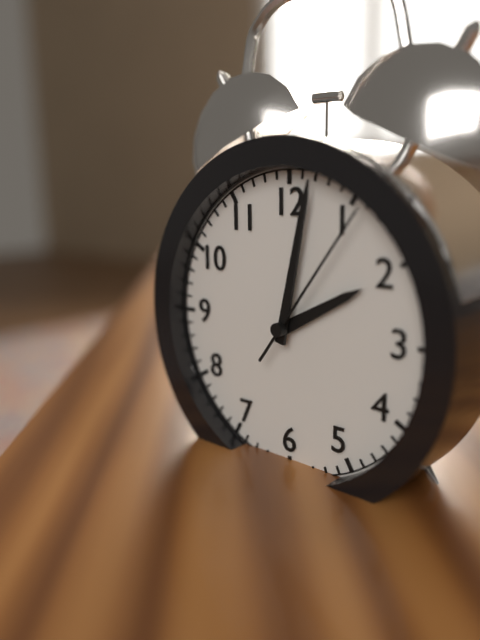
2 h 02 min 06 s
